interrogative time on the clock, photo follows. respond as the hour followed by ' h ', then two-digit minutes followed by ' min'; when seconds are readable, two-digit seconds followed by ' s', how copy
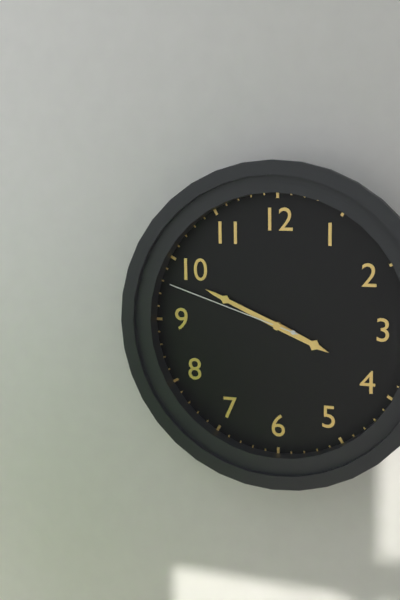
3 h 49 min 48 s
